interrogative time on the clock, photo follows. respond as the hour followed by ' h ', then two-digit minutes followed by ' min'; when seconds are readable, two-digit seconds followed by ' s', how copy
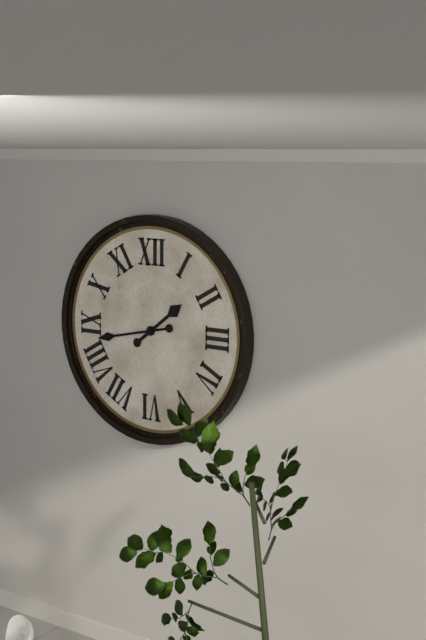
1 h 43 min
